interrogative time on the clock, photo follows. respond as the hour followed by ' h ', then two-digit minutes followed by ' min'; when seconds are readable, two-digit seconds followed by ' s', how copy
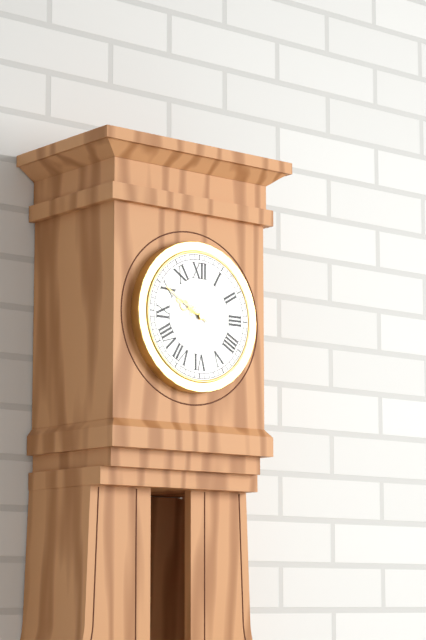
9 h 50 min
